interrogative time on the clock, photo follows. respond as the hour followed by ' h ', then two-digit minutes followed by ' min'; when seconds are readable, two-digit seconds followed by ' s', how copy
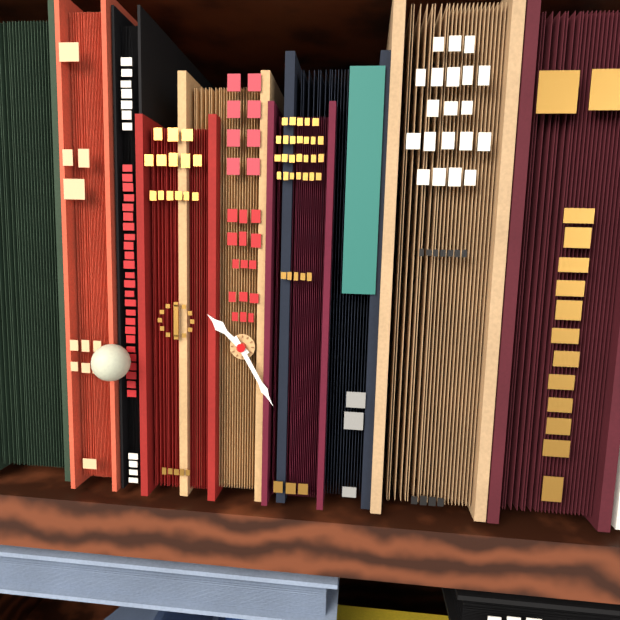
10 h 25 min
